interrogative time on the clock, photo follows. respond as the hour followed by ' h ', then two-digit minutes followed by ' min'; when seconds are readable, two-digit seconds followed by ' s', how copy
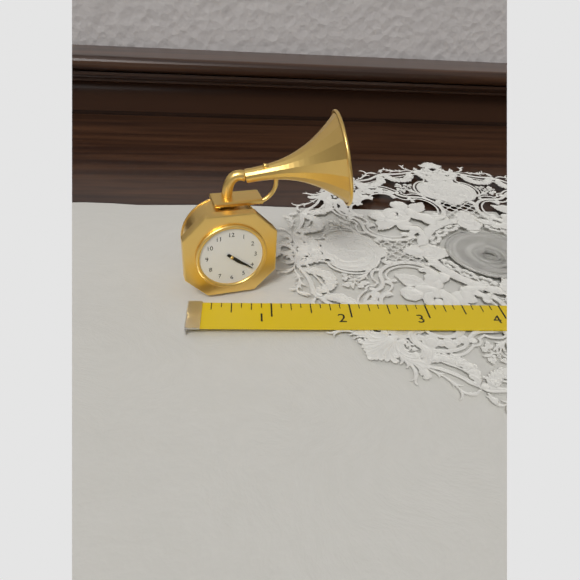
4 h 21 min
